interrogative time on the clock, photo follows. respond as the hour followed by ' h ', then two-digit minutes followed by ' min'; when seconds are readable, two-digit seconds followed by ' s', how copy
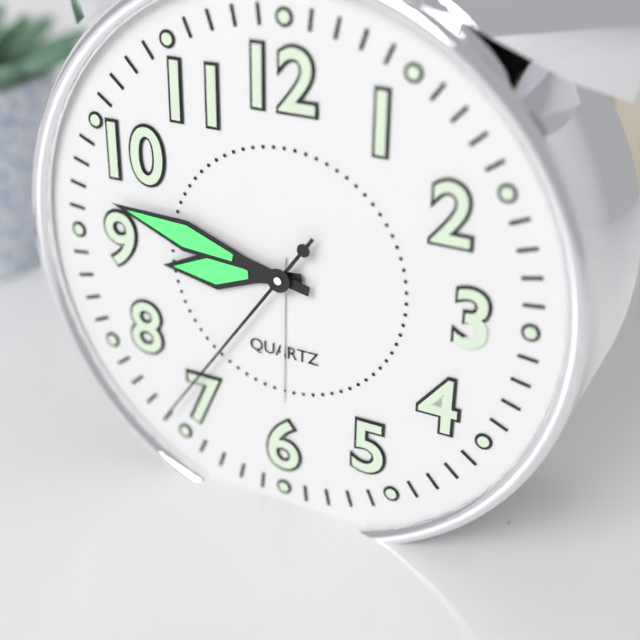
8 h 47 min 36 s
